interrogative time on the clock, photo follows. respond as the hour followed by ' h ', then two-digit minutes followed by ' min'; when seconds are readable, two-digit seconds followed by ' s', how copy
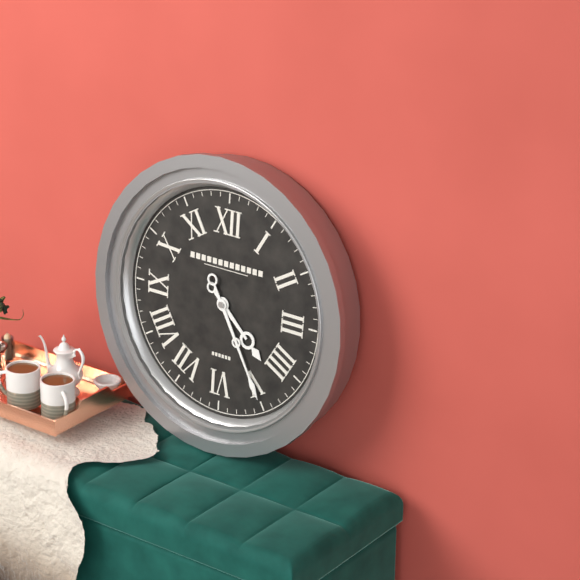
4 h 25 min
